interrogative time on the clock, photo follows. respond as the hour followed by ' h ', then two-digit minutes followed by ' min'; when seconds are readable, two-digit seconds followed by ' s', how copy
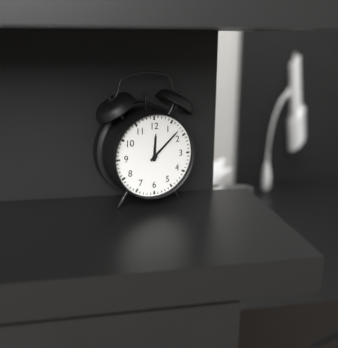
12 h 08 min
